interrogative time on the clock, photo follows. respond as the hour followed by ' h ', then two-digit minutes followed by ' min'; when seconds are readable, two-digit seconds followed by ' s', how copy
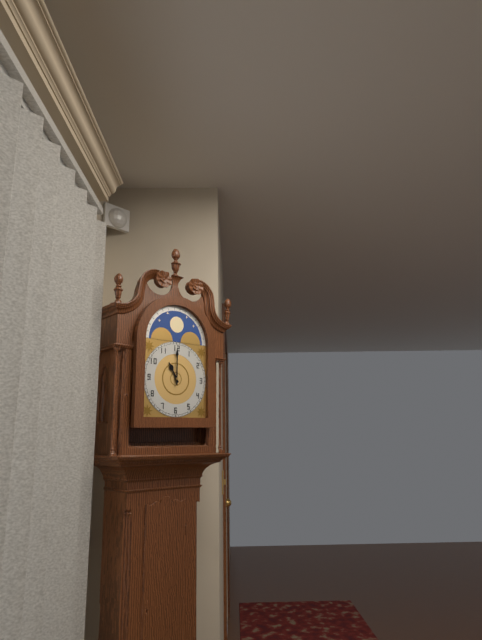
11 h 00 min
